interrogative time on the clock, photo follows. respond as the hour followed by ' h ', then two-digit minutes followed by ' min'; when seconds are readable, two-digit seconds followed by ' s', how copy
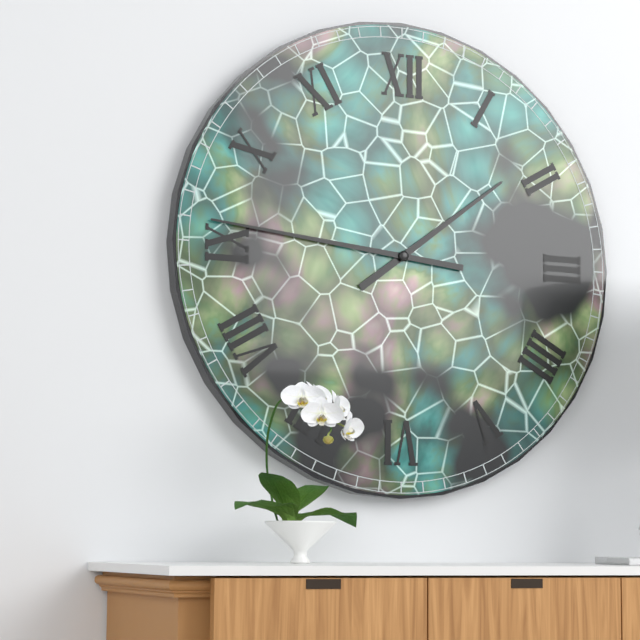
1 h 46 min
